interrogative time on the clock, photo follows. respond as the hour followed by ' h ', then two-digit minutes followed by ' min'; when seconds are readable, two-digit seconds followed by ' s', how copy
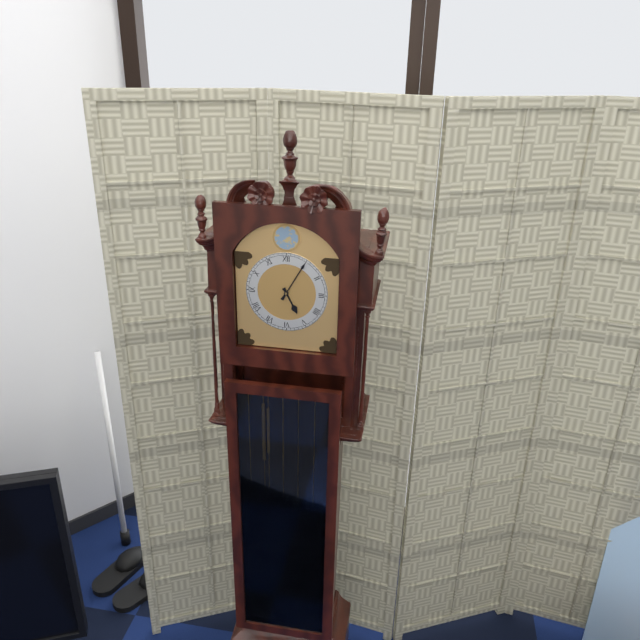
5 h 05 min
